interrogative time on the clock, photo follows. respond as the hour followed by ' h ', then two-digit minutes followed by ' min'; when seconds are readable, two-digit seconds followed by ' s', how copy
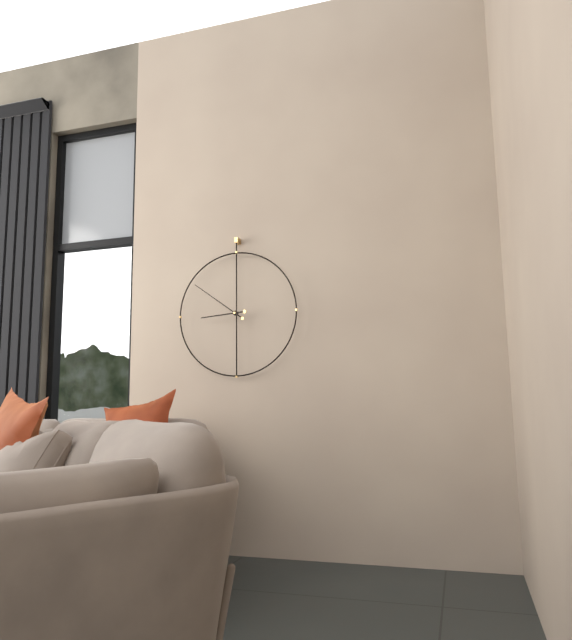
8 h 51 min
